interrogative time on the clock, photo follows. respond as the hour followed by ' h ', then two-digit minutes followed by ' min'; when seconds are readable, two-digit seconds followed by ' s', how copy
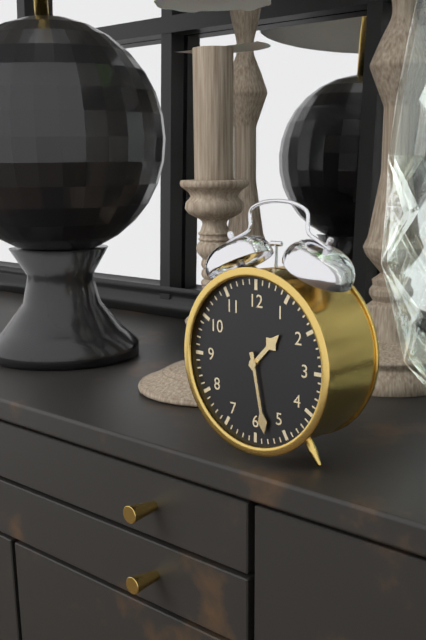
1 h 28 min
